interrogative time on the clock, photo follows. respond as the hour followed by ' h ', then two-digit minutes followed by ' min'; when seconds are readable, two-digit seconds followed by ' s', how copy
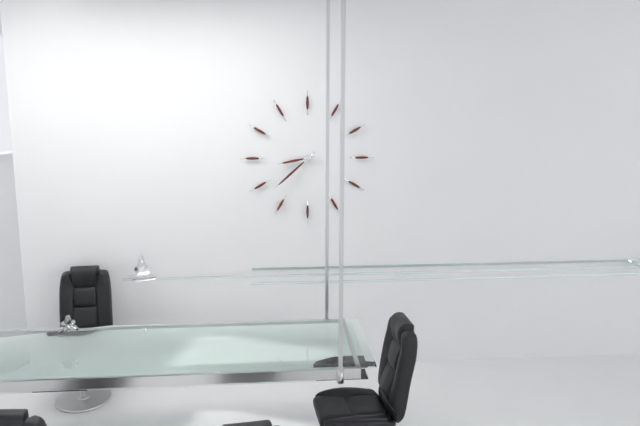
8 h 38 min
